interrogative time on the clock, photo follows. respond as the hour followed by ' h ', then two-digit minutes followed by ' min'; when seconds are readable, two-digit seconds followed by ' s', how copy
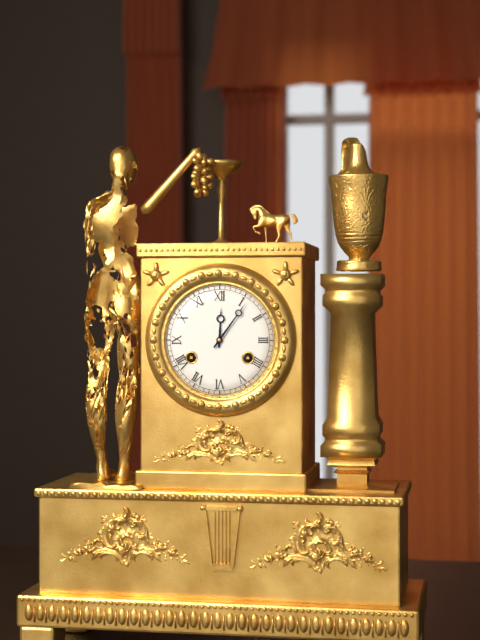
12 h 06 min
